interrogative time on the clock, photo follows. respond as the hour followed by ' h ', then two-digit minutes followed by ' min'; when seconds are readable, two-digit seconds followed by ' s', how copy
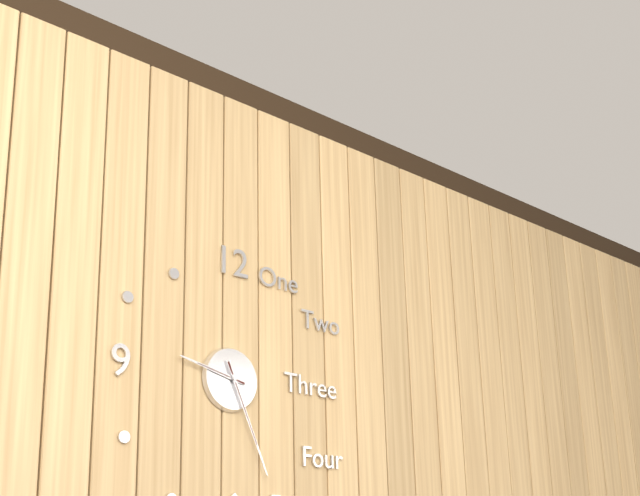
9 h 26 min
